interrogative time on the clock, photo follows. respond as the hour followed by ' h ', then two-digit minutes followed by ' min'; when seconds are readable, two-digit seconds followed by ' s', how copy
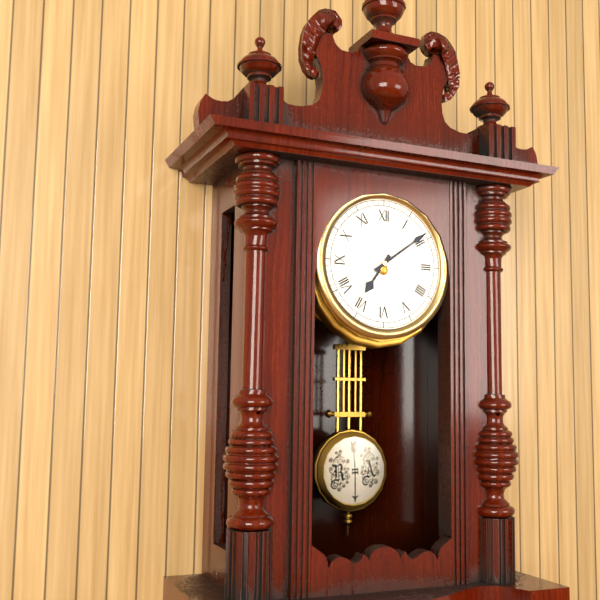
7 h 09 min
